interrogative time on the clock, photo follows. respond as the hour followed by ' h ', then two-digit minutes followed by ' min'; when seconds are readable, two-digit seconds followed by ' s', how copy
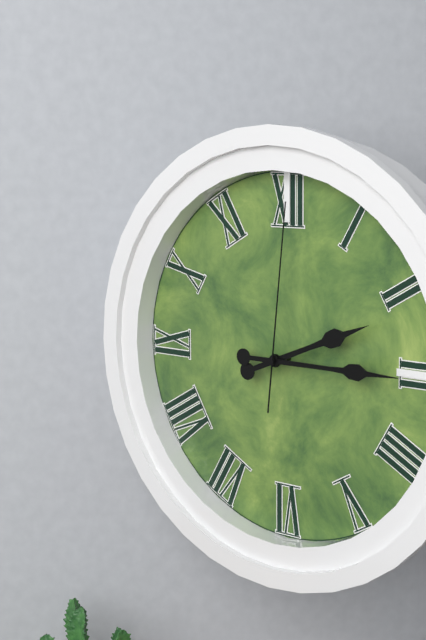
2 h 15 min 01 s
